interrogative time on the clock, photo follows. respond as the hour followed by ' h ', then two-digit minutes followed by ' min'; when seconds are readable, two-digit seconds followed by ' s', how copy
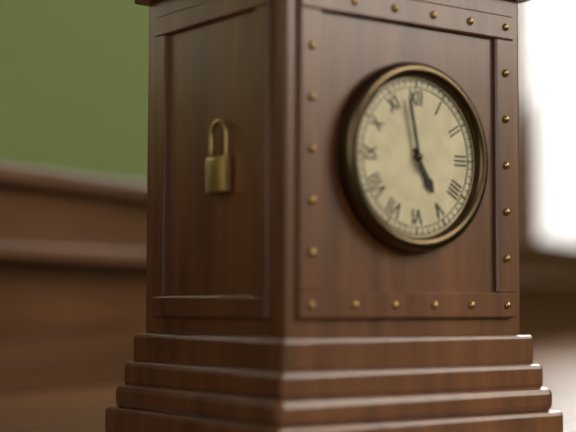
4 h 58 min
